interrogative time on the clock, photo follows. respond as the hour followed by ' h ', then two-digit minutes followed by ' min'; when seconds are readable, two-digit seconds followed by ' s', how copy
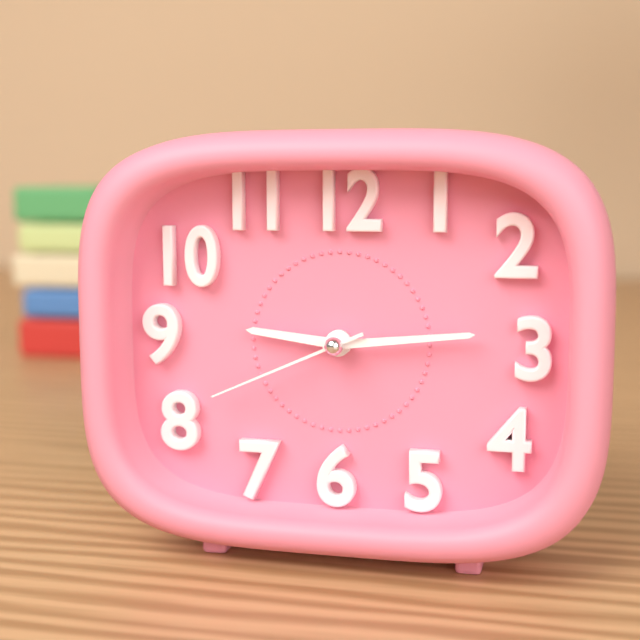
9 h 14 min 41 s
